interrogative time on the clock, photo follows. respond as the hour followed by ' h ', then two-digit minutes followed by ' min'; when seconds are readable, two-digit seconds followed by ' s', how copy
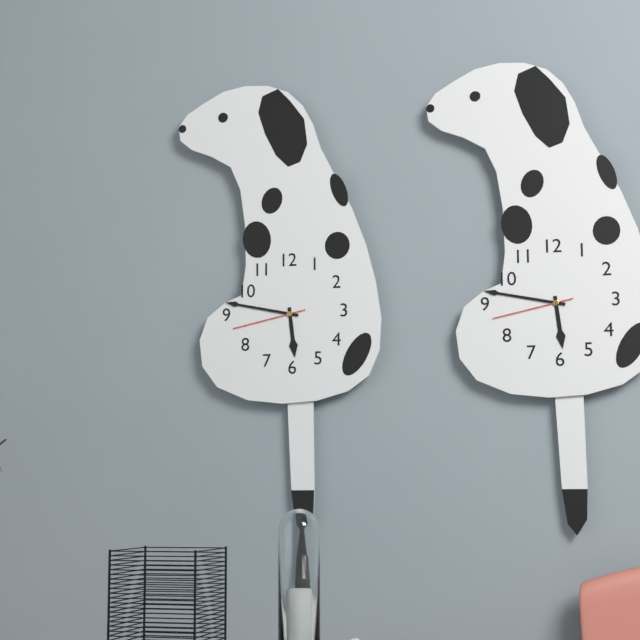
5 h 47 min 43 s
